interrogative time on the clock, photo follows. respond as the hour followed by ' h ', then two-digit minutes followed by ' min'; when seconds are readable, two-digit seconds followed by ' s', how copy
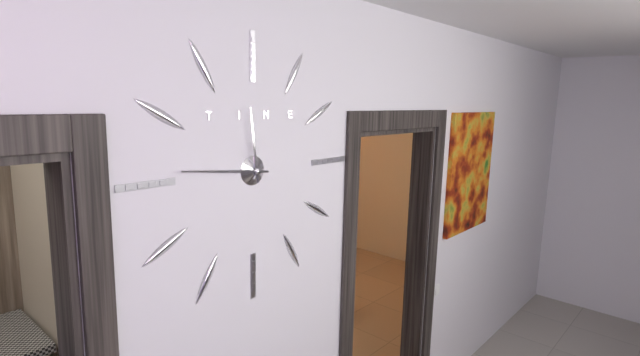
11 h 46 min
